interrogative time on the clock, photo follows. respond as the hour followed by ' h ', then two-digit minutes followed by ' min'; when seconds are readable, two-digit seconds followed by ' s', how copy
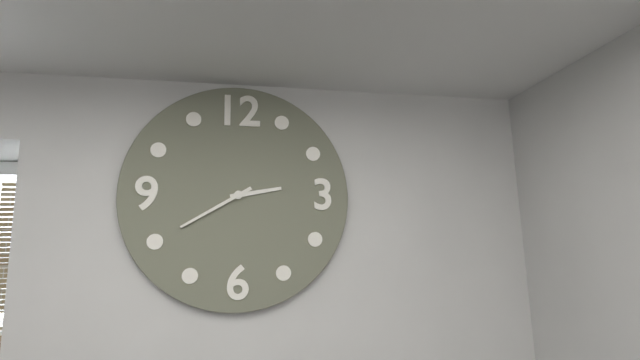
2 h 40 min
